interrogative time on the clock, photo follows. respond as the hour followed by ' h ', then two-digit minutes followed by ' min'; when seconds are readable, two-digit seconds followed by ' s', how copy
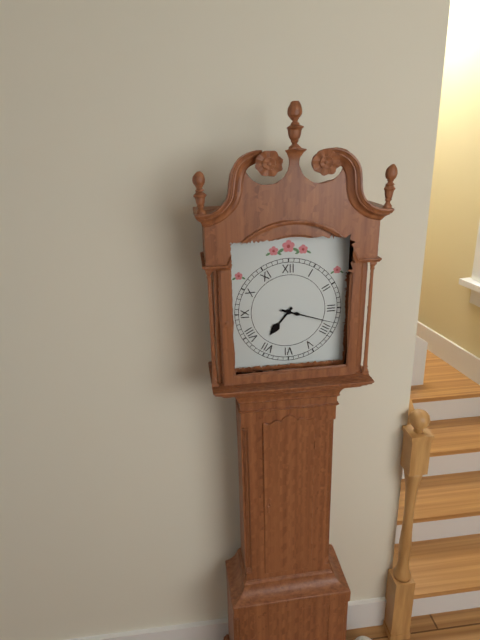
7 h 18 min
